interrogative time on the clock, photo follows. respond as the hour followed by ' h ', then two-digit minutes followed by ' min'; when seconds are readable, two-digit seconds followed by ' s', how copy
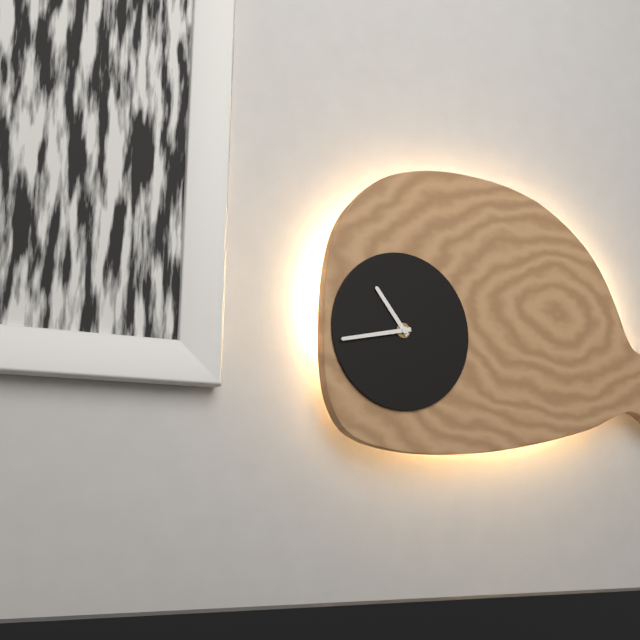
10 h 43 min
